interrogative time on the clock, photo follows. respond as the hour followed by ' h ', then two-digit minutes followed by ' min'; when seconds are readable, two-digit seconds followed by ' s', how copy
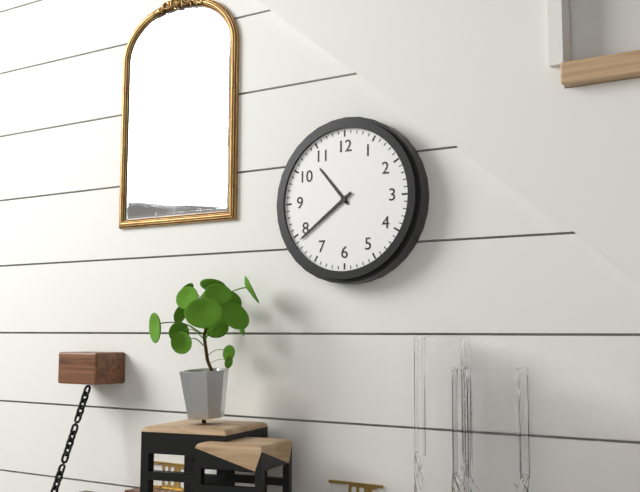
10 h 39 min
